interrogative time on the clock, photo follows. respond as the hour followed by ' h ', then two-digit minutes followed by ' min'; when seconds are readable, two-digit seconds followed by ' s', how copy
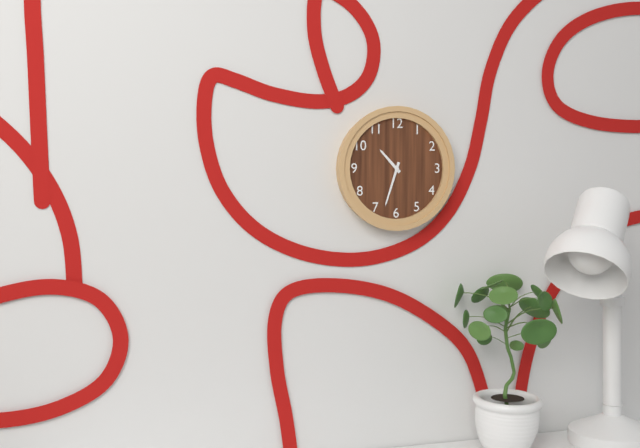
10 h 33 min
